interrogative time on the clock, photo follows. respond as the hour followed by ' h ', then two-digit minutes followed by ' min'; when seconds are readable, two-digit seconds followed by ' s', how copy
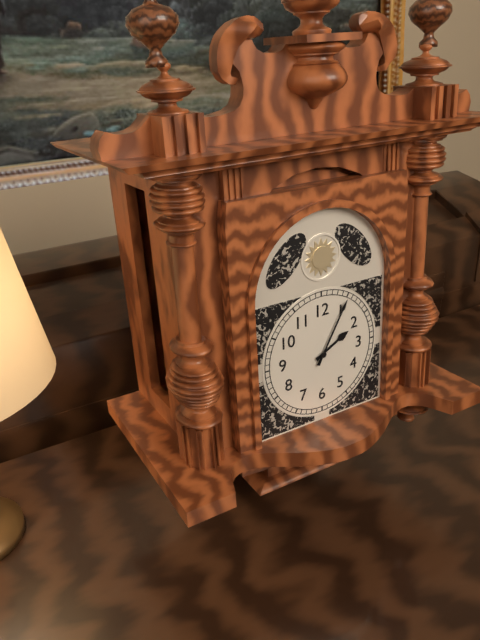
2 h 05 min
